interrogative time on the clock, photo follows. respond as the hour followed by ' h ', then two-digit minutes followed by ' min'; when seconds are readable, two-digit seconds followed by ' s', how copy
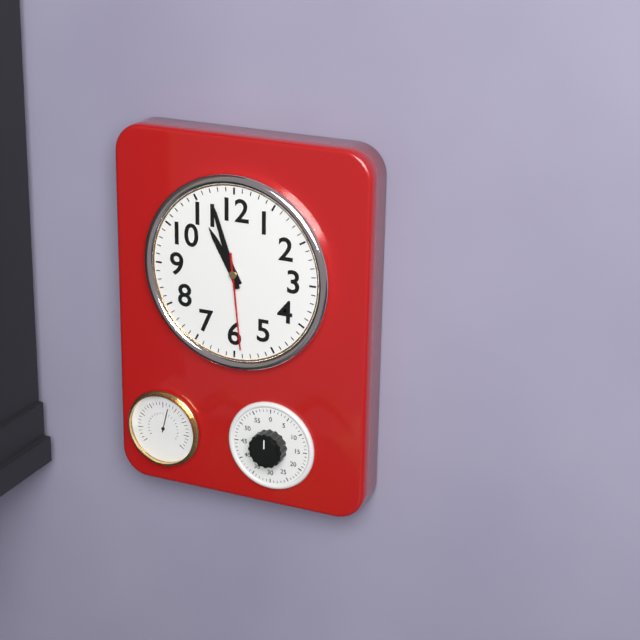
10 h 57 min 29 s
